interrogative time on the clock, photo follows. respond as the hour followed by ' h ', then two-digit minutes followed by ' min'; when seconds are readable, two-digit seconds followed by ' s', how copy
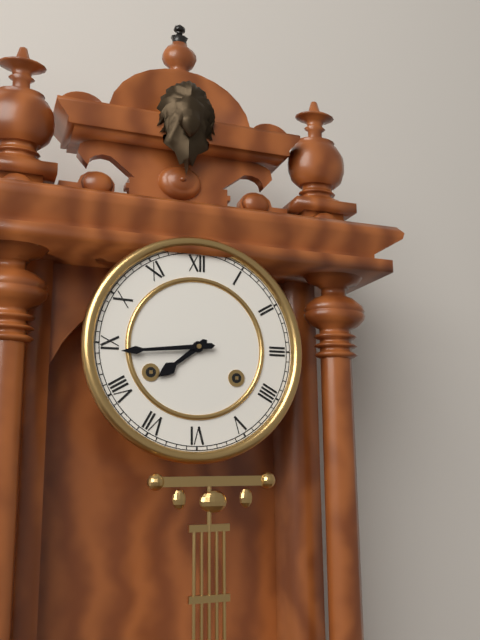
7 h 44 min
